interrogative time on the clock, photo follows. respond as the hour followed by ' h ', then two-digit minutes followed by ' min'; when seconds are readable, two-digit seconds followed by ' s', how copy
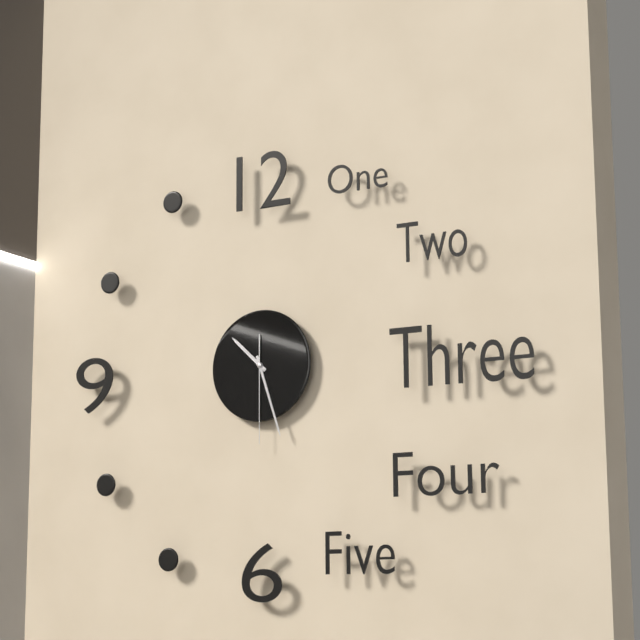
10 h 27 min 30 s
